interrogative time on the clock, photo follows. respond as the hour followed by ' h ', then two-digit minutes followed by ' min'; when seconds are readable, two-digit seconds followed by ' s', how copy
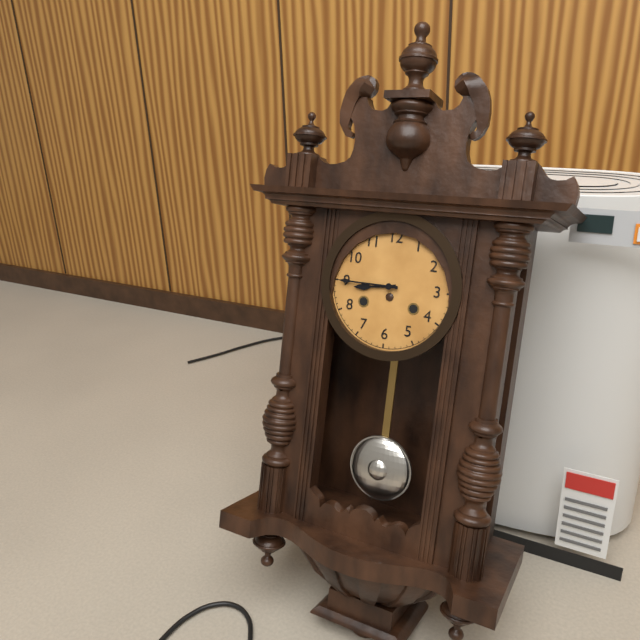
8 h 45 min
